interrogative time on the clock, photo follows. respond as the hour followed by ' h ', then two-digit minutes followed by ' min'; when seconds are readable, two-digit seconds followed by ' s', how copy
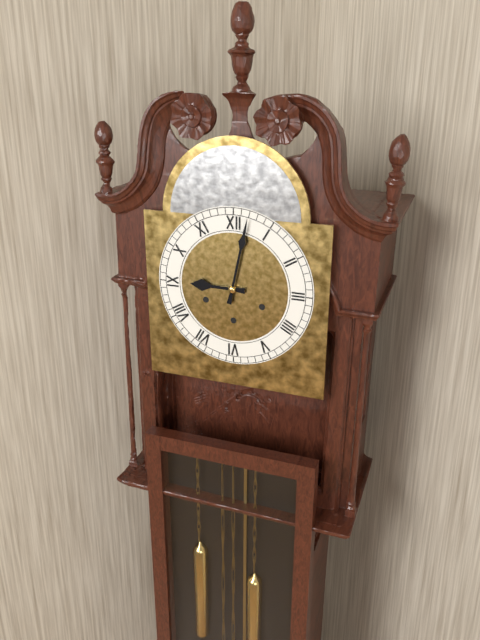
9 h 02 min
